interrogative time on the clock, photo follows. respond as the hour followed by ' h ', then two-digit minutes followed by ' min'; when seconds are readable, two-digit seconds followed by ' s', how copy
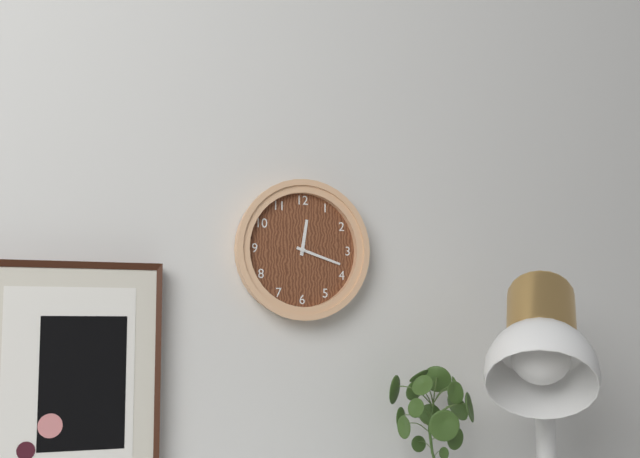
12 h 18 min
